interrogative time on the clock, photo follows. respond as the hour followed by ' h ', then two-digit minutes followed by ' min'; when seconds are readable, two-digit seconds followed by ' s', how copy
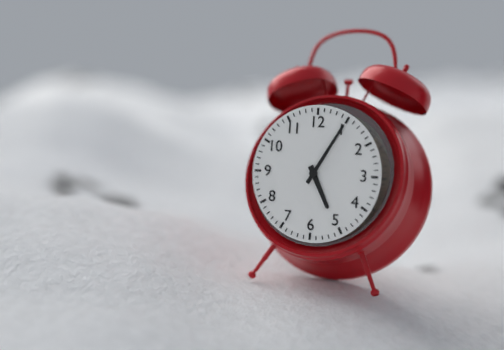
5 h 05 min
